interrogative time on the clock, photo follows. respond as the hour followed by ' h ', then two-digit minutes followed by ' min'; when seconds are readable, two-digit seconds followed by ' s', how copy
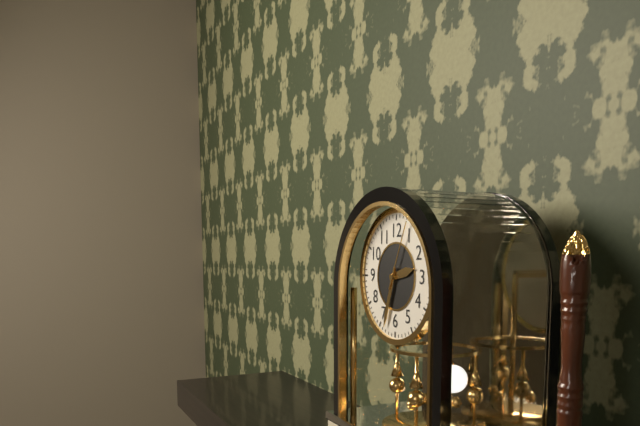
2 h 33 min 04 s
